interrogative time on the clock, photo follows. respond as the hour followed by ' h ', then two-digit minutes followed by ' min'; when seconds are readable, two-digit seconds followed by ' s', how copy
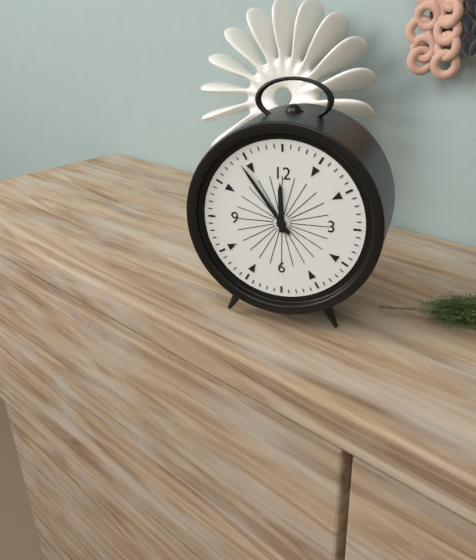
11 h 54 min
